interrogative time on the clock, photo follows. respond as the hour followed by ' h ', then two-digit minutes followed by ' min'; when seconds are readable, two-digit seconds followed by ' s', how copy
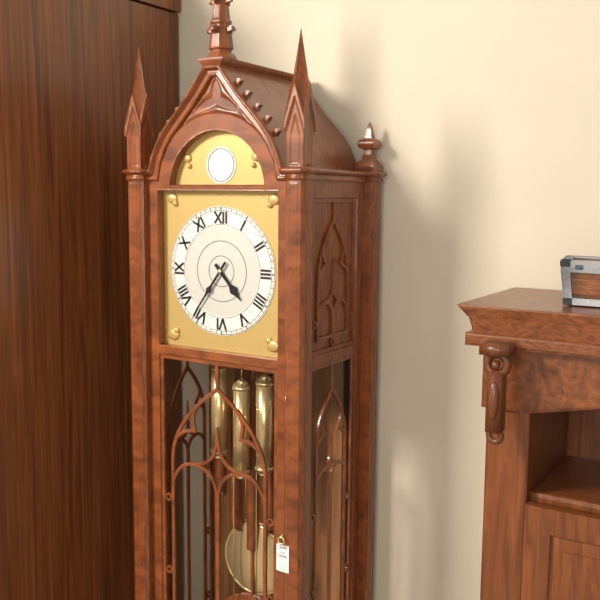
4 h 36 min
